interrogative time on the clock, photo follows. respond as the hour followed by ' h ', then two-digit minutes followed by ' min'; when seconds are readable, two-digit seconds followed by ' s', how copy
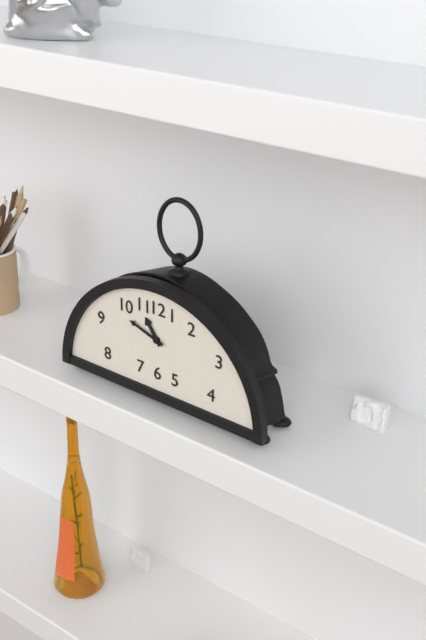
10 h 48 min
